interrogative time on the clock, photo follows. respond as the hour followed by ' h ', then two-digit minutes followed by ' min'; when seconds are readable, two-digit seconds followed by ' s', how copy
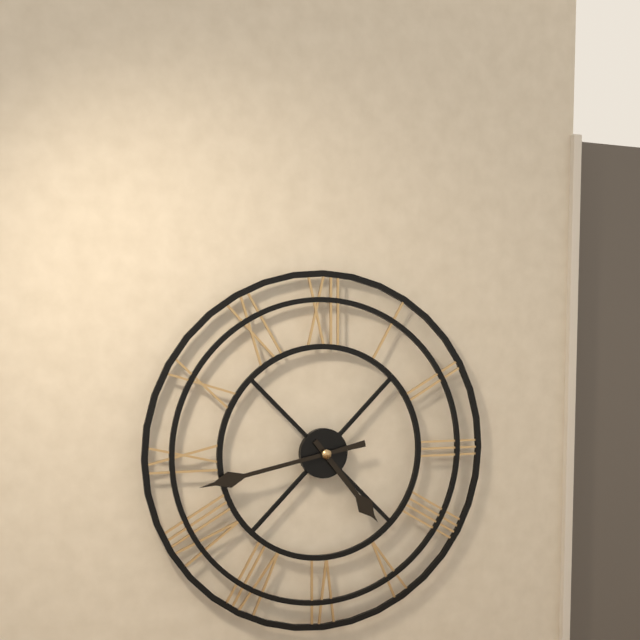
4 h 43 min
